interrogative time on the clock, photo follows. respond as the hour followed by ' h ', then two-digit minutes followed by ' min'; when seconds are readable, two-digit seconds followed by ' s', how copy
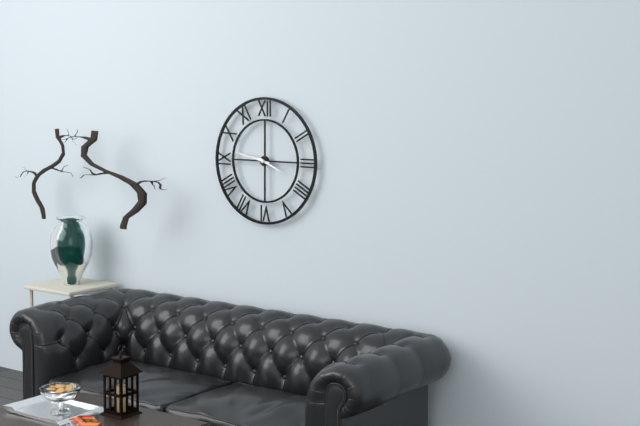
3 h 47 min
